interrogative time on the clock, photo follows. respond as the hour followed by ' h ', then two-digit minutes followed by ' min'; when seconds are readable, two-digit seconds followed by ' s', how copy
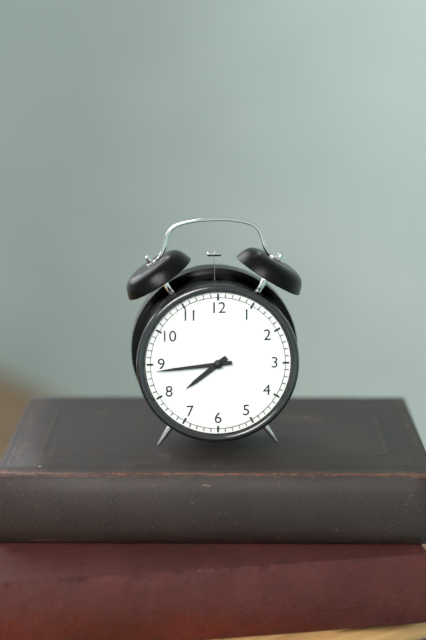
7 h 44 min
